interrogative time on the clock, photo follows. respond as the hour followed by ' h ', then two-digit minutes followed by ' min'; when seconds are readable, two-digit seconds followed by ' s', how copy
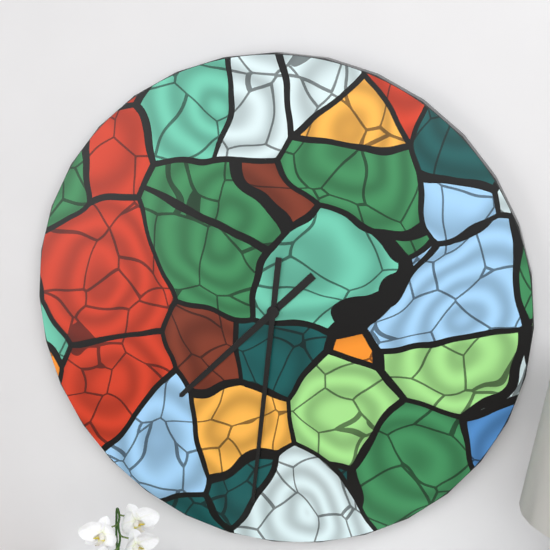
7 h 31 min
